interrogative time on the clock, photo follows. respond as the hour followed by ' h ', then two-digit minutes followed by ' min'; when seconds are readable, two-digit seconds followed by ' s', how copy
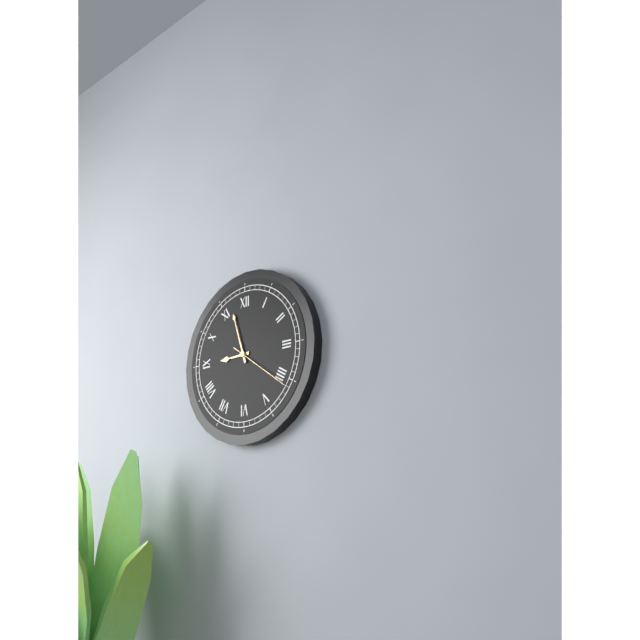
8 h 57 min 21 s
